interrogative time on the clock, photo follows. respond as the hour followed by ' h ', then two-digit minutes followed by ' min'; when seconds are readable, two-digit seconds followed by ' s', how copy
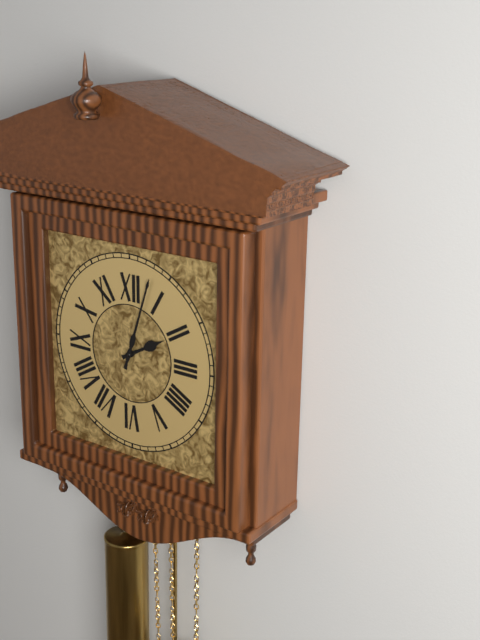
2 h 03 min
